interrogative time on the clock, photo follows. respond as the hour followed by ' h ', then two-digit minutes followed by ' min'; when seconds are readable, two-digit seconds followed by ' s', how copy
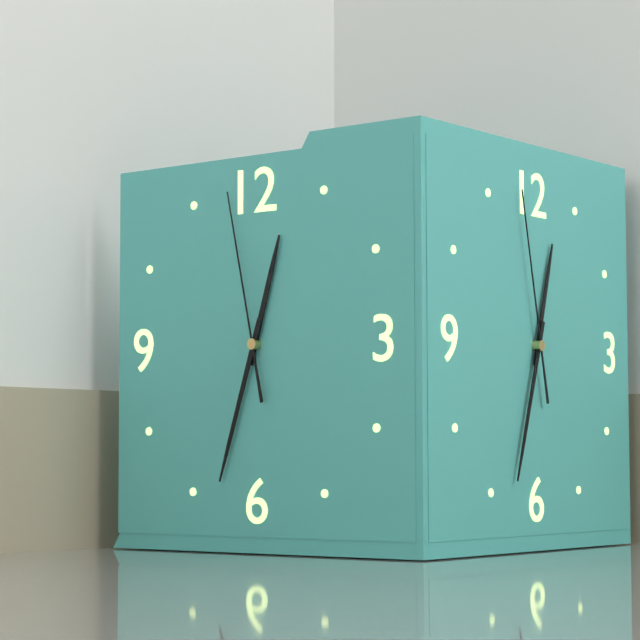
12 h 33 min 58 s
